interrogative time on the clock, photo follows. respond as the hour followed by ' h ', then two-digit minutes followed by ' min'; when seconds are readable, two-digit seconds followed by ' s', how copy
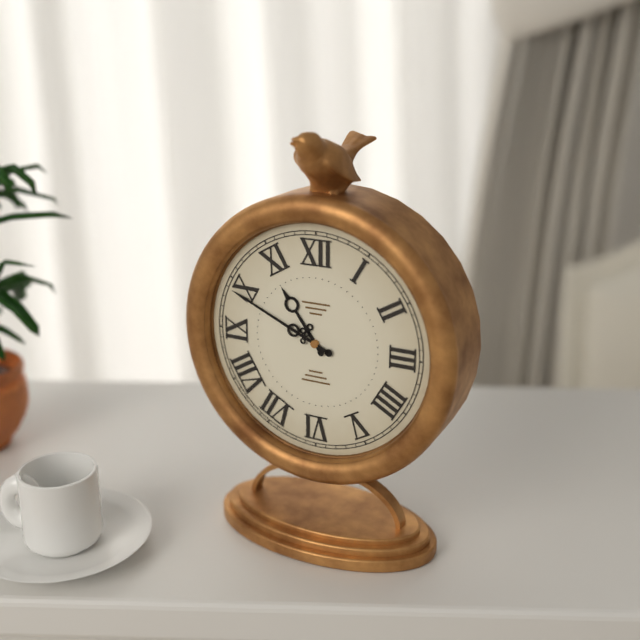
10 h 49 min
